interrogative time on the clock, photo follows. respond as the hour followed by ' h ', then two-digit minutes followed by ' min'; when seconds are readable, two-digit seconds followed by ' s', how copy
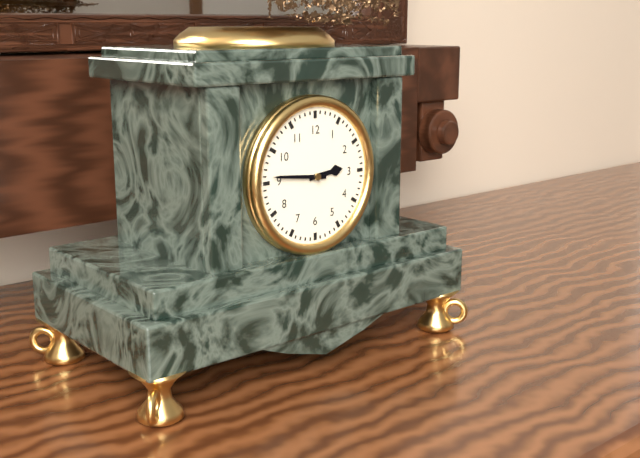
2 h 46 min
